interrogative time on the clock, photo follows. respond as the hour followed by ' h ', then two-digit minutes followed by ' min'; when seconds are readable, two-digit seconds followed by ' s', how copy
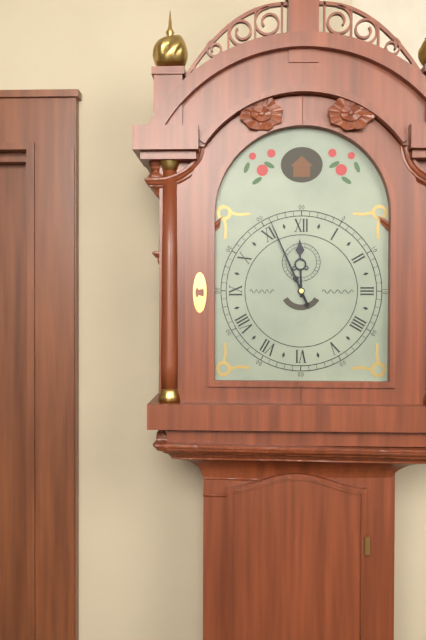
11 h 56 min
